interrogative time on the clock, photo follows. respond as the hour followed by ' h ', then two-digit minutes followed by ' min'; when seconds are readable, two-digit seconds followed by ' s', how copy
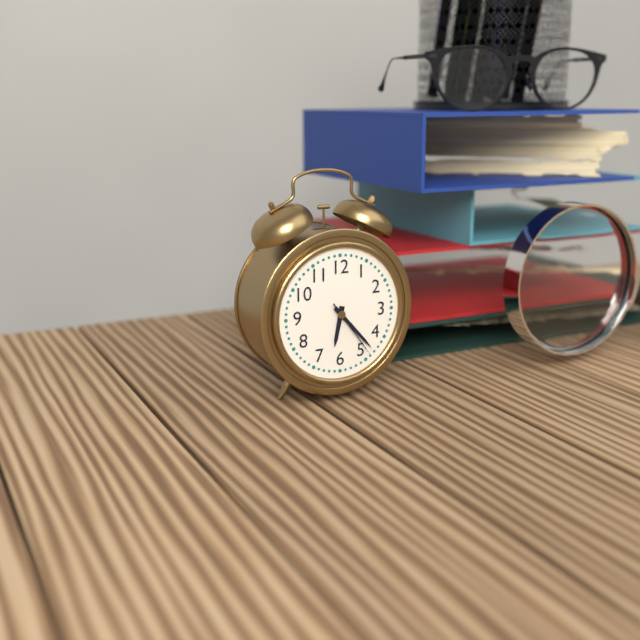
6 h 23 min 24 s
